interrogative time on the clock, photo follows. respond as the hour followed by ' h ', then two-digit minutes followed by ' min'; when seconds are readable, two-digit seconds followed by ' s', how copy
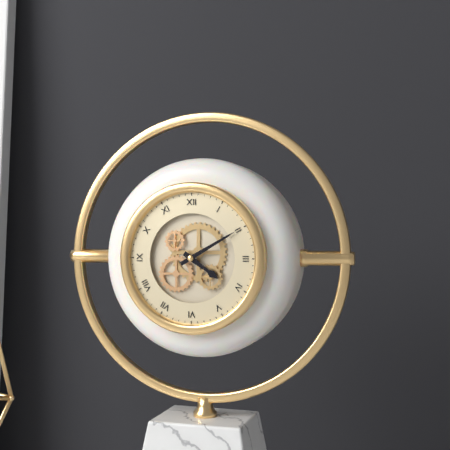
4 h 10 min
